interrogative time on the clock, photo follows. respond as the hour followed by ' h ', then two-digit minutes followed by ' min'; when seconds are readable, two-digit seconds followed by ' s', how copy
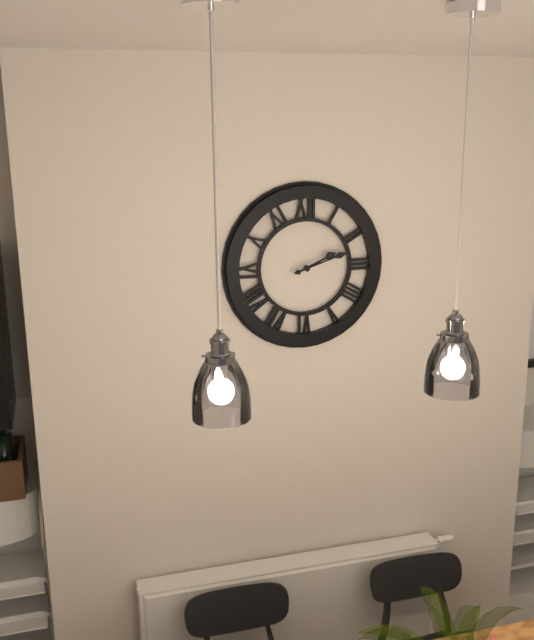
2 h 12 min
